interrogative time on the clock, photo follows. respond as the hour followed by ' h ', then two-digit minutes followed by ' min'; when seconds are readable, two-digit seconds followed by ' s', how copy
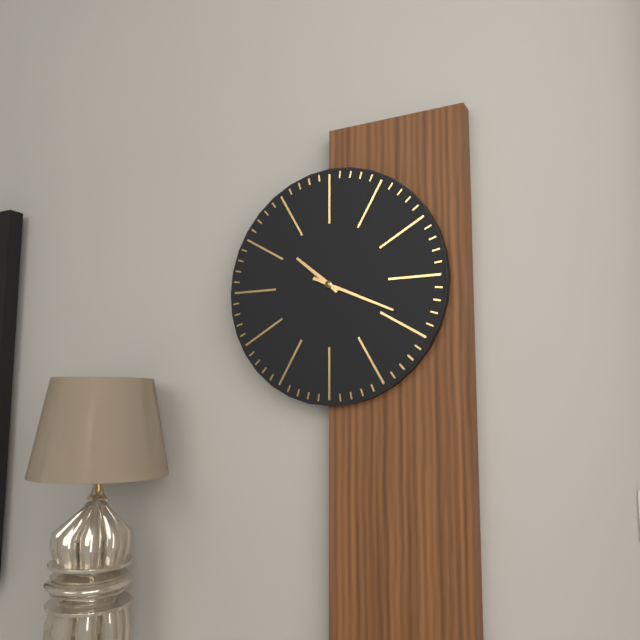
10 h 19 min
